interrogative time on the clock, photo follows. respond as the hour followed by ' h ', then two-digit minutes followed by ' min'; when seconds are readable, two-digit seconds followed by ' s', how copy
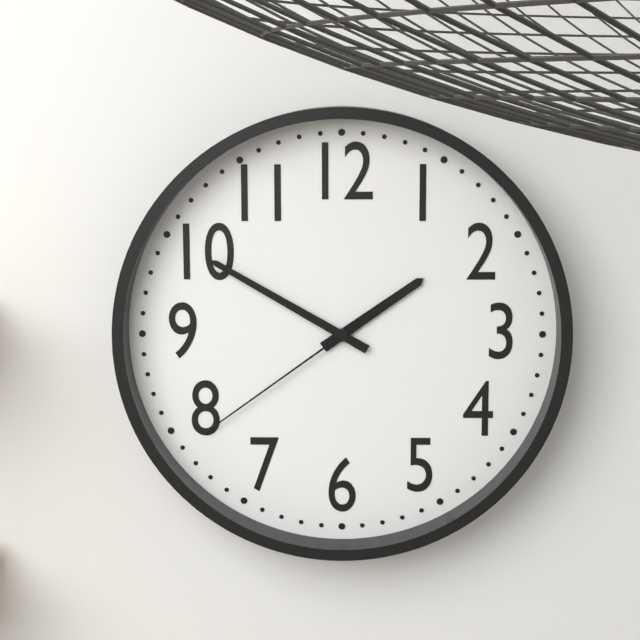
1 h 50 min 39 s
